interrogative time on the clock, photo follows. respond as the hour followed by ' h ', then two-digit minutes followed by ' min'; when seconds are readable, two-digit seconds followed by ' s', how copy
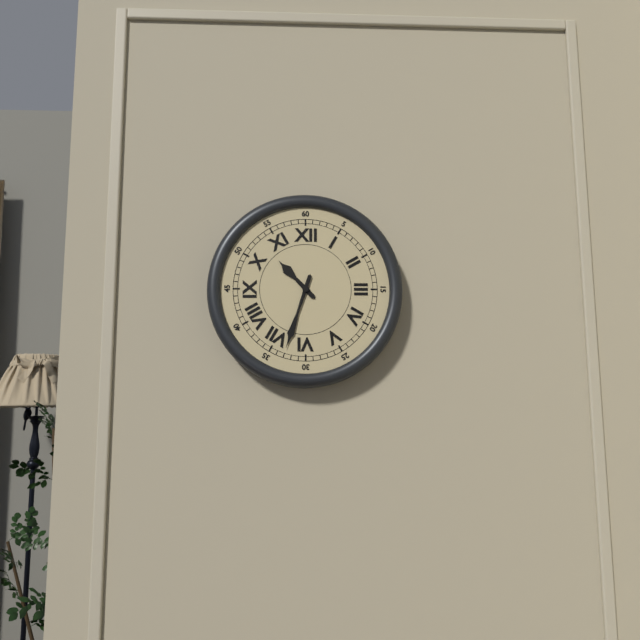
10 h 33 min
